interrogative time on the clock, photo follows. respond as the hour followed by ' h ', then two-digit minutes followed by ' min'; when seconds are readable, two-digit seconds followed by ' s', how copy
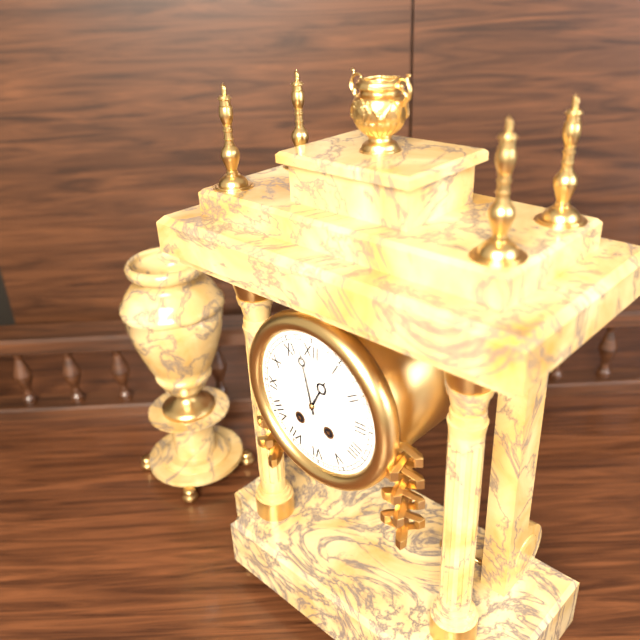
12 h 58 min
